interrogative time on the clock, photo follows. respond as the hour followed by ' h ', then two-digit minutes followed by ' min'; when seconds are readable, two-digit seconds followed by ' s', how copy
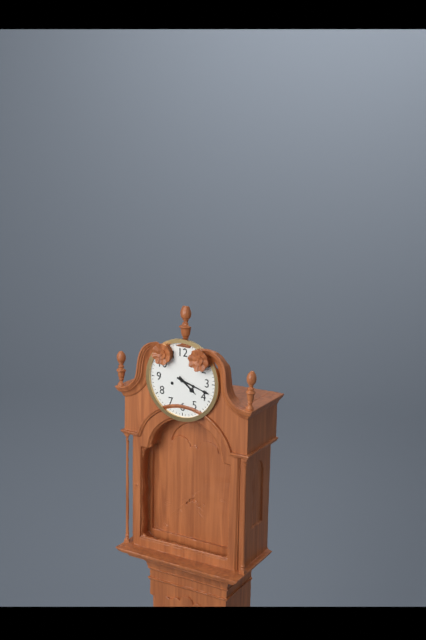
4 h 18 min
